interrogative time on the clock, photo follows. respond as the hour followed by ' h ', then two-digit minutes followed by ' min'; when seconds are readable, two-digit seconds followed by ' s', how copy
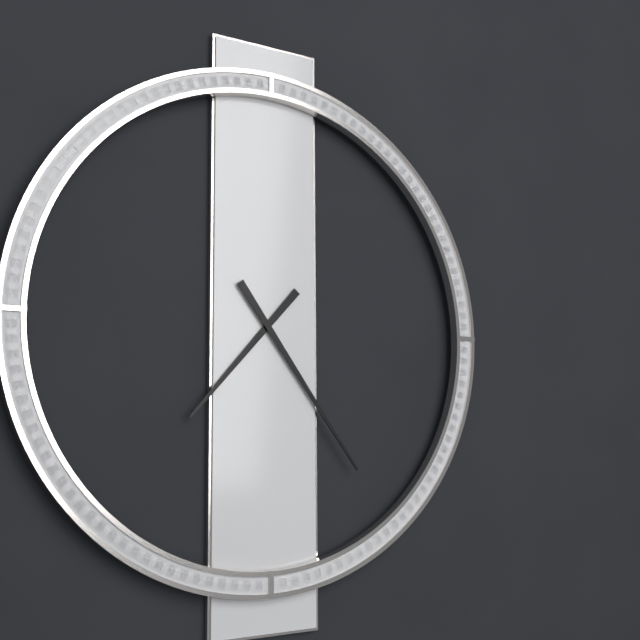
7 h 24 min
